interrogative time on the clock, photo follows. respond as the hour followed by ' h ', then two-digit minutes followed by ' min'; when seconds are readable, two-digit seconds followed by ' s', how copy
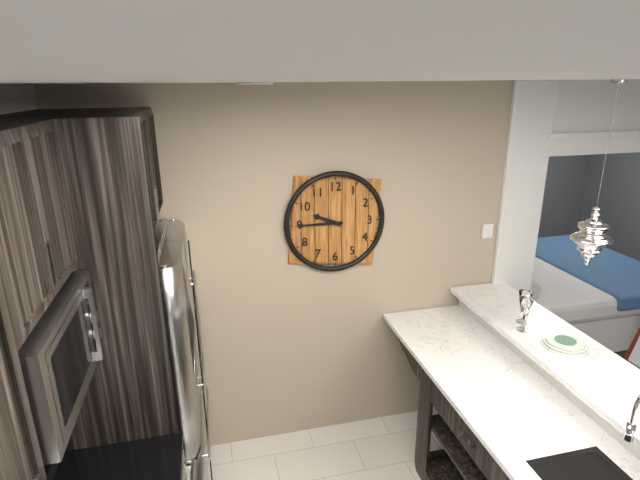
9 h 45 min
